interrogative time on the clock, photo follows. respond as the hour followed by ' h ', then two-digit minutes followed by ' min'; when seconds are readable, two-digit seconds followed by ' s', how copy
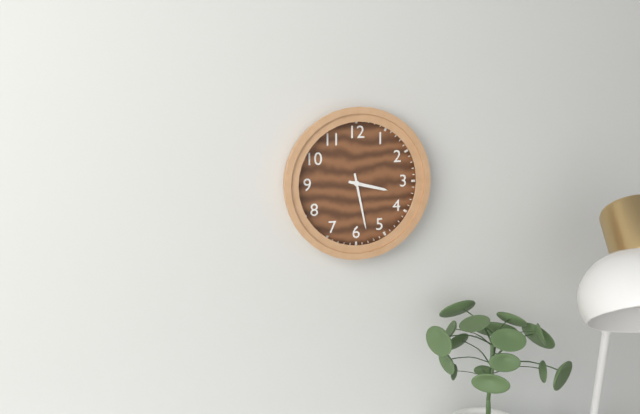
3 h 28 min
